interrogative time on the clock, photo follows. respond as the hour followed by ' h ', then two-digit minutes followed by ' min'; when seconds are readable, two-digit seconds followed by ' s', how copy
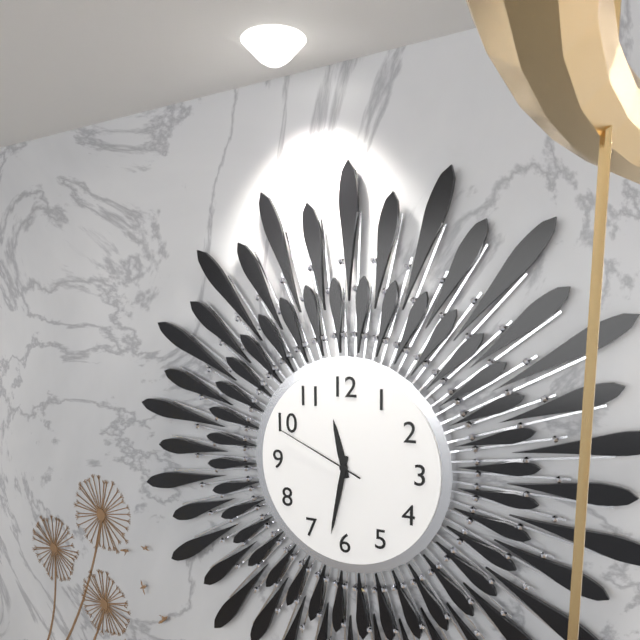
11 h 32 min 49 s
